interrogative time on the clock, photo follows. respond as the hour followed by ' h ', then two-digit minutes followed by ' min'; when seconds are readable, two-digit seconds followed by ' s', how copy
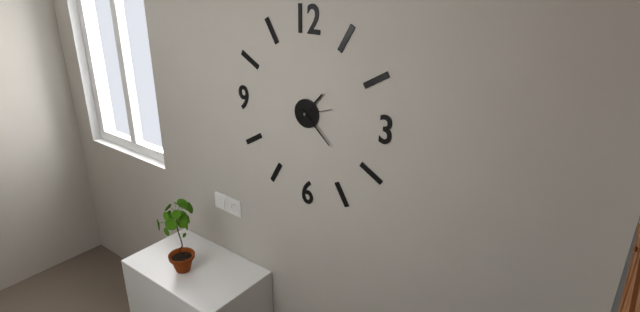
1 h 22 min
